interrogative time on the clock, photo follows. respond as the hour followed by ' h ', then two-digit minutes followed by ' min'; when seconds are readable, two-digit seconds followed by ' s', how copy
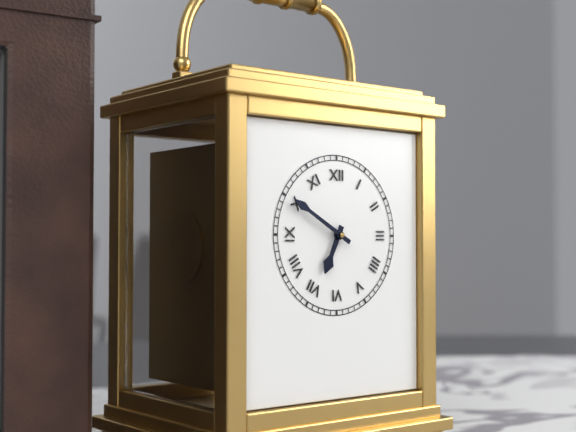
6 h 50 min
